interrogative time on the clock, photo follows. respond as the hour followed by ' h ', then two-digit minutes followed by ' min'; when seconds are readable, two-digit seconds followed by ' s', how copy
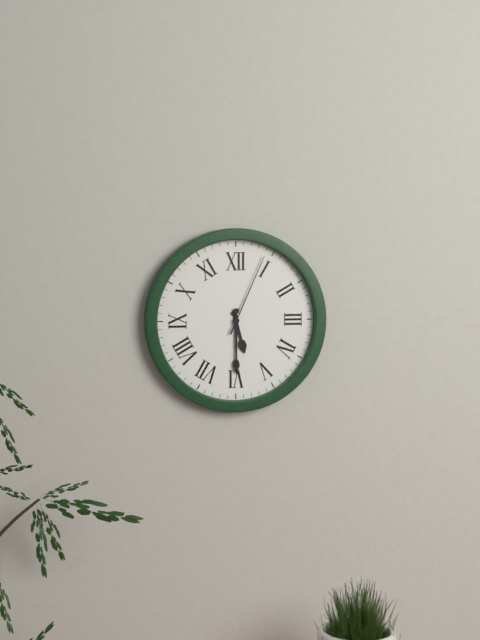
5 h 30 min 04 s
